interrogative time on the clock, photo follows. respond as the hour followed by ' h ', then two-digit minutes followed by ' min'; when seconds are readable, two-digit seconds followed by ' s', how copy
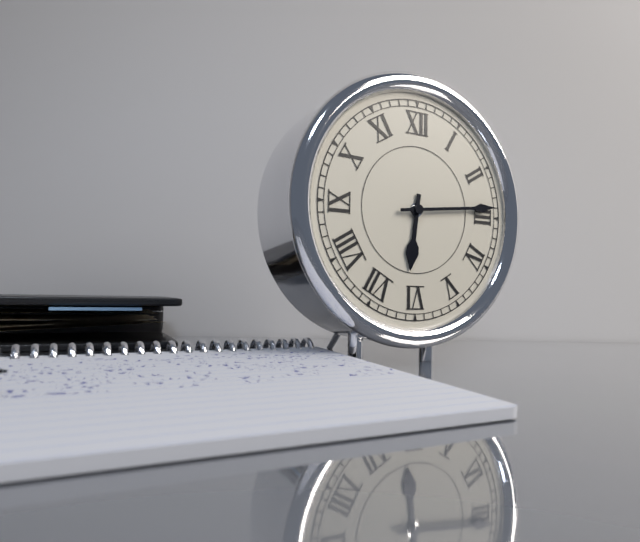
6 h 14 min
